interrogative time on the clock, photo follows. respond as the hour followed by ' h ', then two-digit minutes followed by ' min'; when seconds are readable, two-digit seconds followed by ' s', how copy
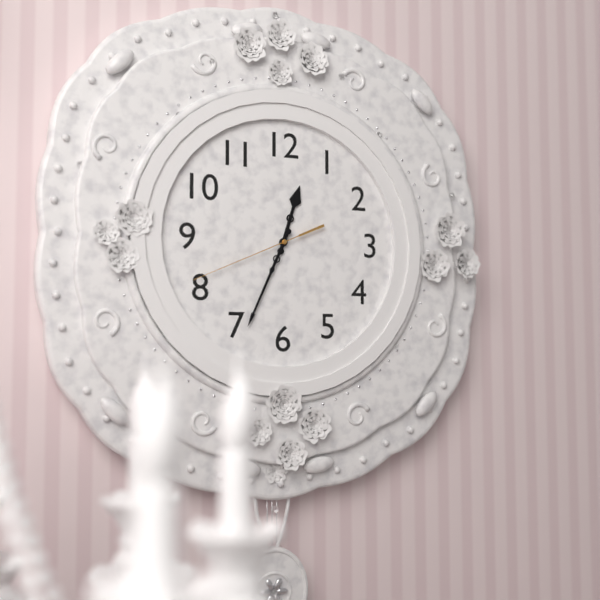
12 h 34 min 41 s
